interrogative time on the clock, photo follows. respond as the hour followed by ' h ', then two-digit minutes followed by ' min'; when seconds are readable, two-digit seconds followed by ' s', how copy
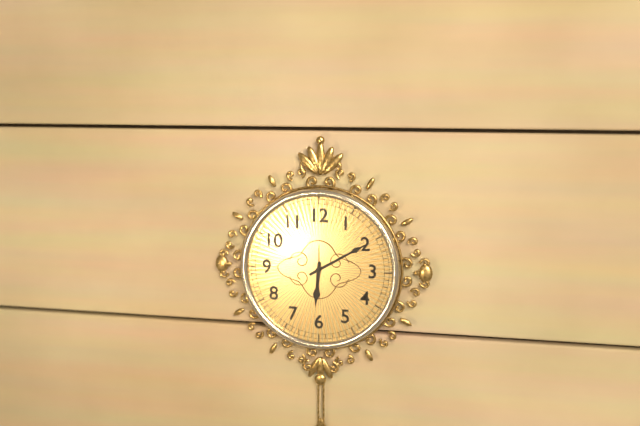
6 h 10 min
